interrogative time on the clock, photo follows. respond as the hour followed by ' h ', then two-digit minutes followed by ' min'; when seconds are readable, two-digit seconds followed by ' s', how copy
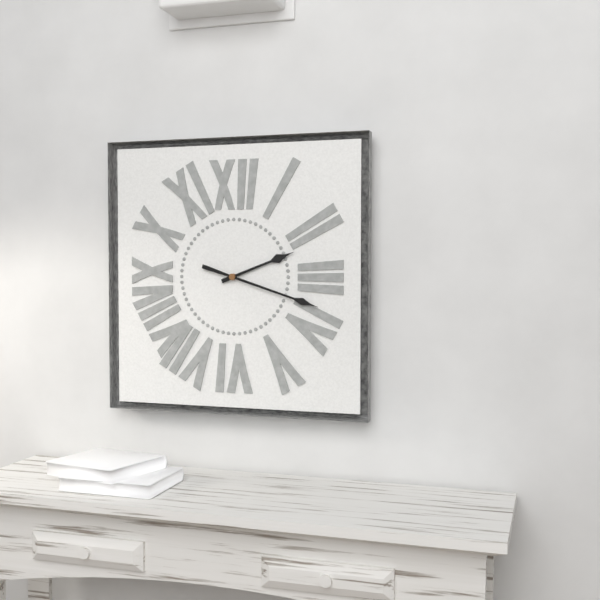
2 h 18 min
